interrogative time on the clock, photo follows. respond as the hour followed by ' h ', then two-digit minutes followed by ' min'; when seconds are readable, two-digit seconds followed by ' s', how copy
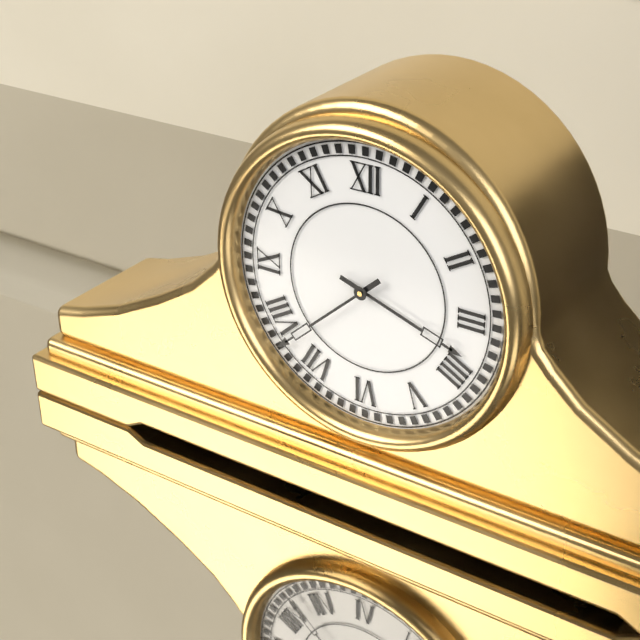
3 h 38 min
